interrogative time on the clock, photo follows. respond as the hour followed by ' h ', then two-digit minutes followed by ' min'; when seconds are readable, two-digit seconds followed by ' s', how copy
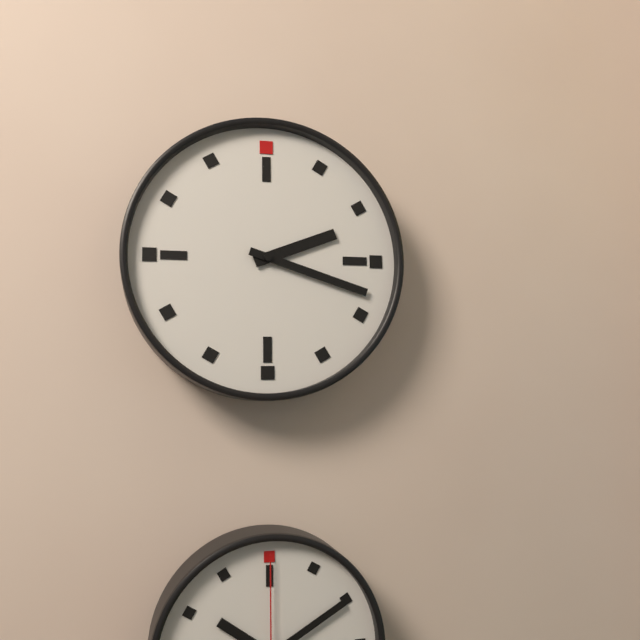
2 h 18 min
